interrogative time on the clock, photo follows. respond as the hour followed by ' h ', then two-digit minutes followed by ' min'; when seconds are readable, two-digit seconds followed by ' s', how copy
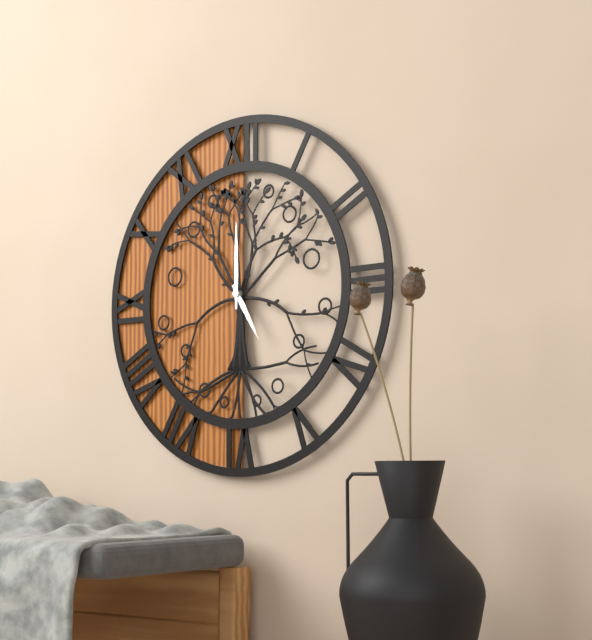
5 h 00 min
